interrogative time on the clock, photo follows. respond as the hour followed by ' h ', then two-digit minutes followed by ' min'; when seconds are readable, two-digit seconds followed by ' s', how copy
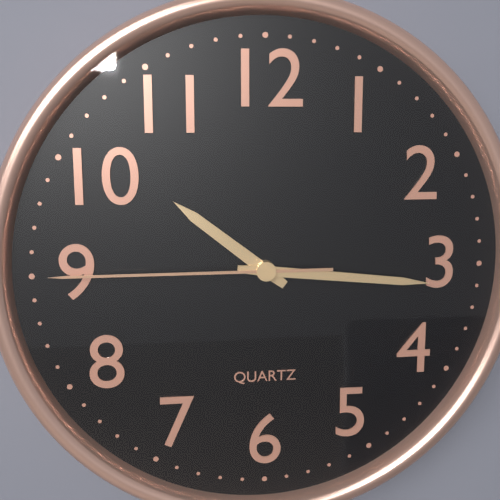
10 h 16 min 45 s
